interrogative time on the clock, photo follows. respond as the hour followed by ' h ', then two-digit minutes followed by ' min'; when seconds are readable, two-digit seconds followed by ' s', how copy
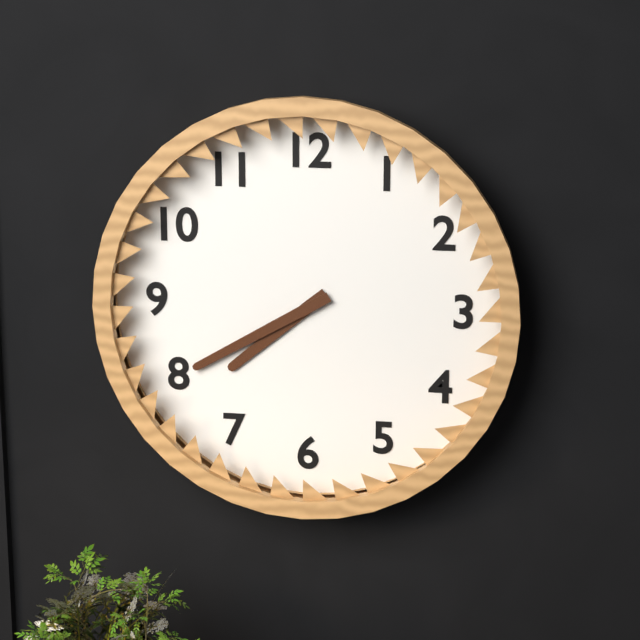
7 h 40 min
